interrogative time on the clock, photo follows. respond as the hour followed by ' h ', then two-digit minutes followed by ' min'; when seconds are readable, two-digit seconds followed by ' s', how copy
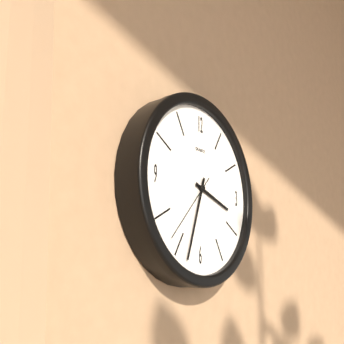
3 h 33 min 37 s
